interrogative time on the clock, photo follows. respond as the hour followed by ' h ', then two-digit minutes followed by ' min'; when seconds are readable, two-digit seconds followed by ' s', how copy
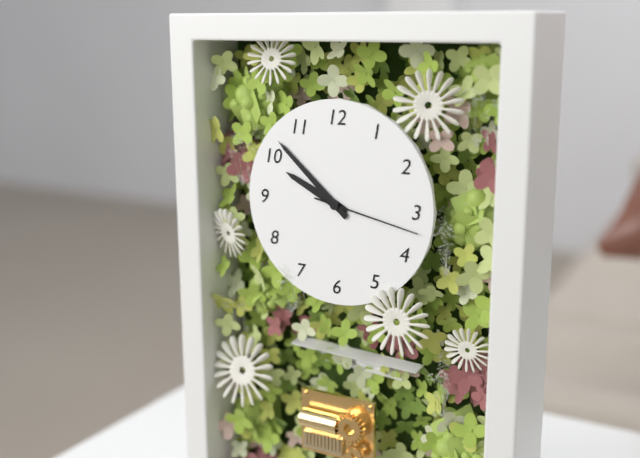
9 h 52 min 17 s
